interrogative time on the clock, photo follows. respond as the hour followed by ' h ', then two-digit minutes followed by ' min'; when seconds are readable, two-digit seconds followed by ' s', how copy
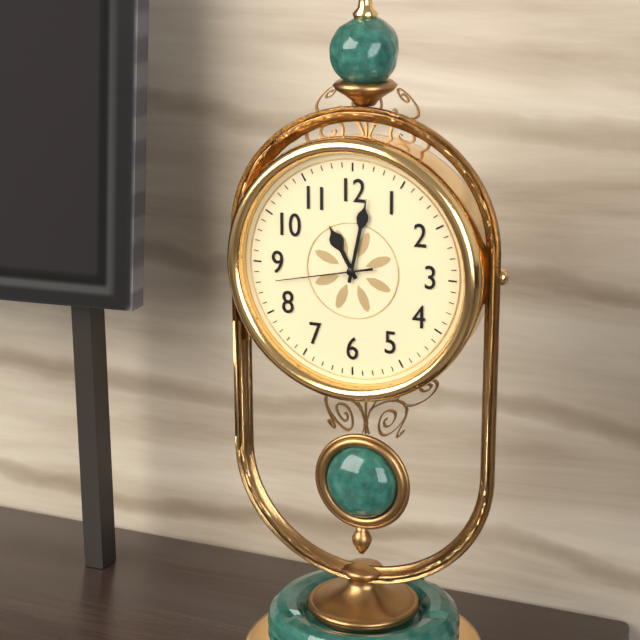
11 h 02 min 43 s
